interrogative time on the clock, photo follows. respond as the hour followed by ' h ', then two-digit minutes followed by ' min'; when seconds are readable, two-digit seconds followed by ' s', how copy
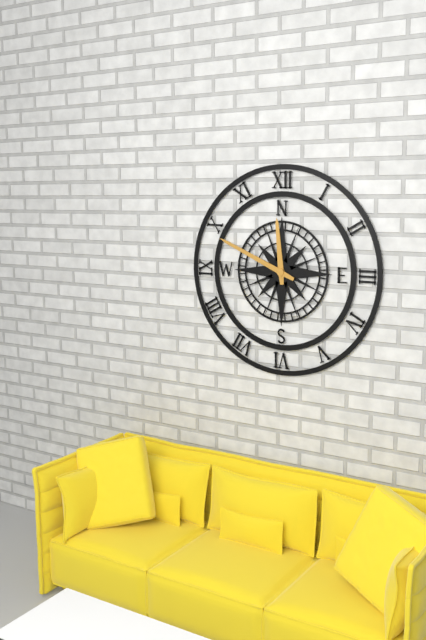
11 h 49 min
